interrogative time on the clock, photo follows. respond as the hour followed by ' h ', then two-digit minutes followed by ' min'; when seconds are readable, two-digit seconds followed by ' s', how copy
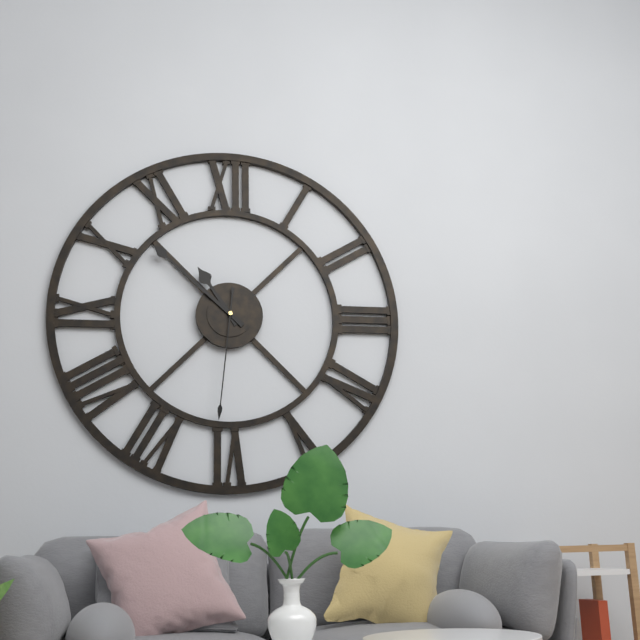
10 h 52 min 31 s
